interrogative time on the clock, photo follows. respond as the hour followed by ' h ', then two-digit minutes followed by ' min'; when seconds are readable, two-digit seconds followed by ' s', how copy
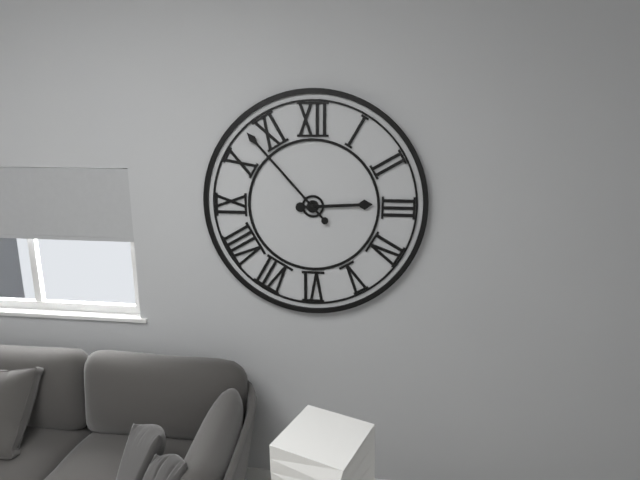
2 h 53 min
